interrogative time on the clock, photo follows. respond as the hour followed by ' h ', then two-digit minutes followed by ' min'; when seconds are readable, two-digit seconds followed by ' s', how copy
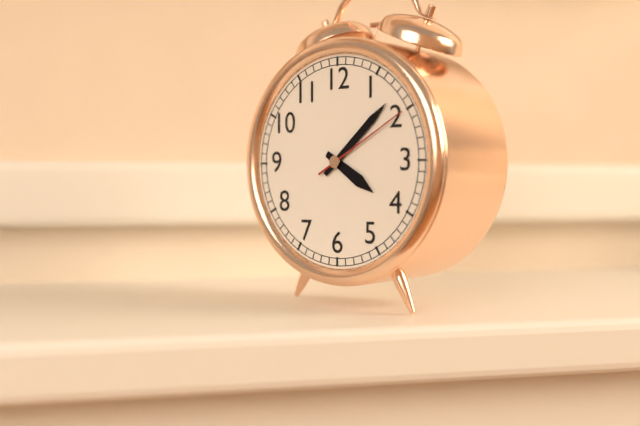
4 h 08 min 10 s
